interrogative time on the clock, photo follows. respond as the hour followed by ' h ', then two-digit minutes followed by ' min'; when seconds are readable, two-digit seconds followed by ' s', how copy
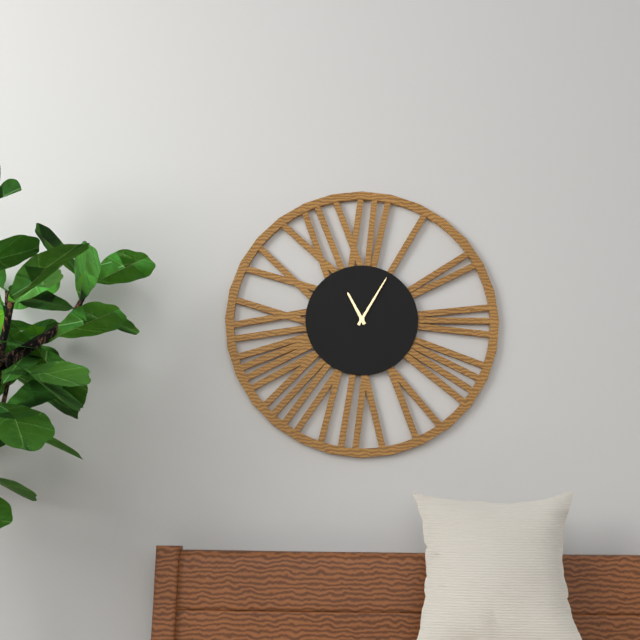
11 h 05 min
